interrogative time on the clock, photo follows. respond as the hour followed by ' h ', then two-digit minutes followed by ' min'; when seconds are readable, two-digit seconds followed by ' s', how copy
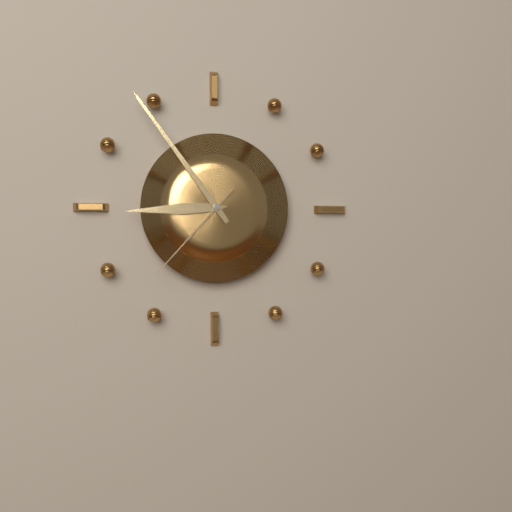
8 h 54 min 37 s
